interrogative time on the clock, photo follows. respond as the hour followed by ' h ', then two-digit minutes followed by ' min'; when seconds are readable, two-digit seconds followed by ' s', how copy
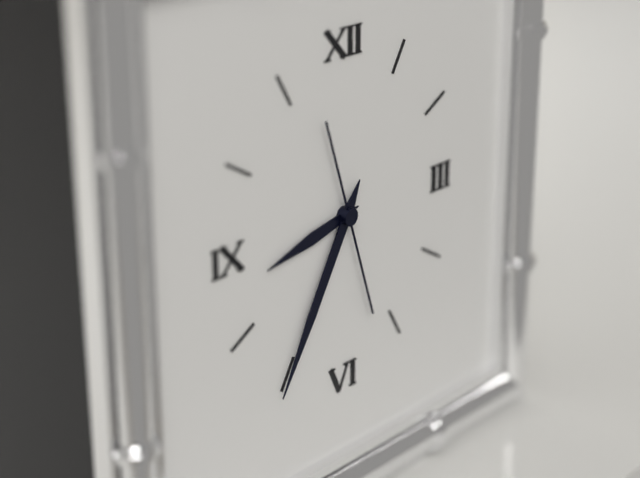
8 h 35 min 27 s
